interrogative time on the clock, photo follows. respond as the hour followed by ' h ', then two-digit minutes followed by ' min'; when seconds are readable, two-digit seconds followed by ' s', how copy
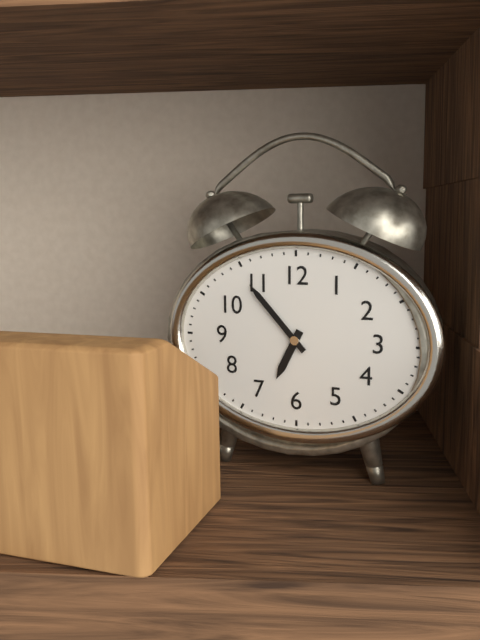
6 h 53 min
